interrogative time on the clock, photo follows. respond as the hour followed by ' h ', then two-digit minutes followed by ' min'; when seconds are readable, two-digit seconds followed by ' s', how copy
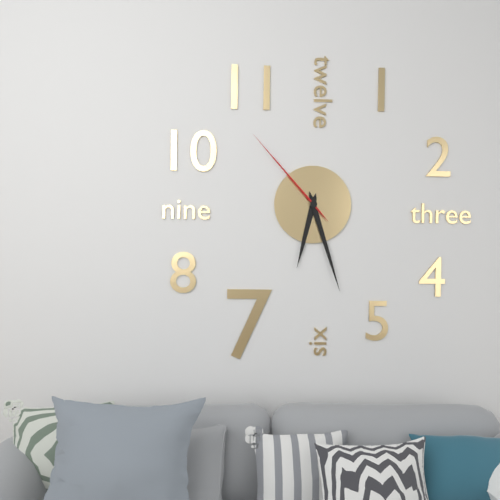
6 h 27 min 53 s
